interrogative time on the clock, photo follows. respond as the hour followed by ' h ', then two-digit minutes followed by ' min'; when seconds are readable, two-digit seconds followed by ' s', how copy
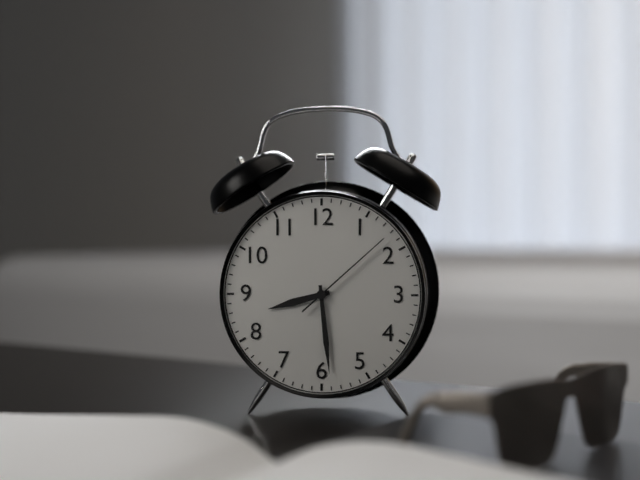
8 h 29 min 08 s
